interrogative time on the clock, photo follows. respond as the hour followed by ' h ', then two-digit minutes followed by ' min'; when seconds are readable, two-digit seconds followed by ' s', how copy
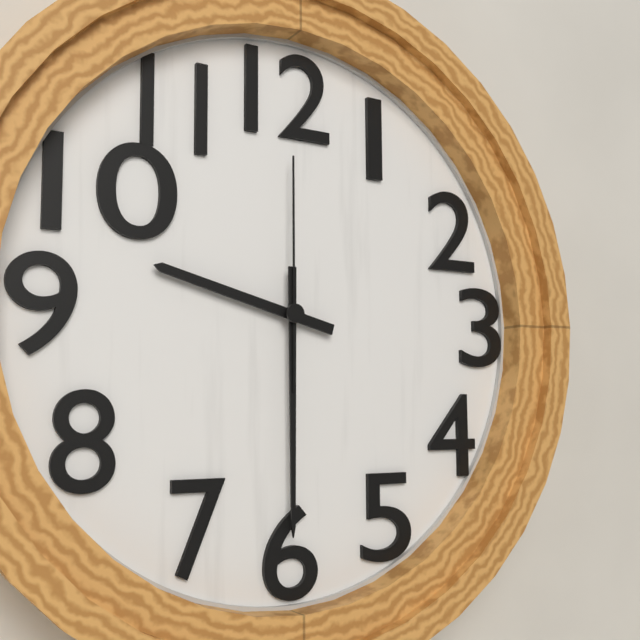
9 h 30 min 00 s
